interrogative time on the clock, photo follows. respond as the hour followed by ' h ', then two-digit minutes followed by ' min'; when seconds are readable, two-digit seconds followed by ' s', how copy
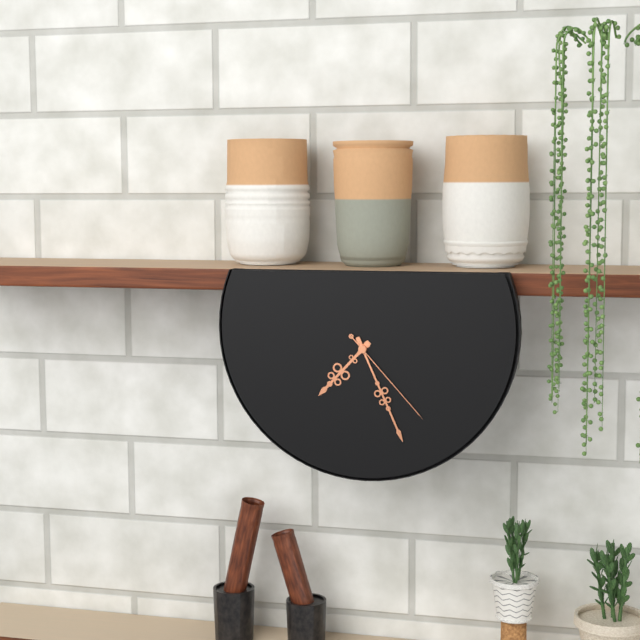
7 h 26 min 23 s
